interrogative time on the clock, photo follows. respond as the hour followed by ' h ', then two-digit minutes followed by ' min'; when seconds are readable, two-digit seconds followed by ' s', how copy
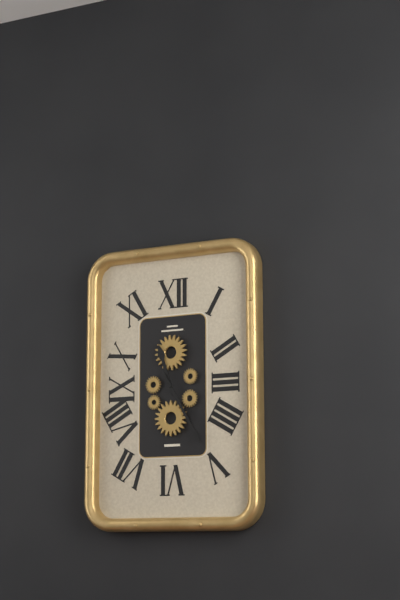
11 h 25 min
